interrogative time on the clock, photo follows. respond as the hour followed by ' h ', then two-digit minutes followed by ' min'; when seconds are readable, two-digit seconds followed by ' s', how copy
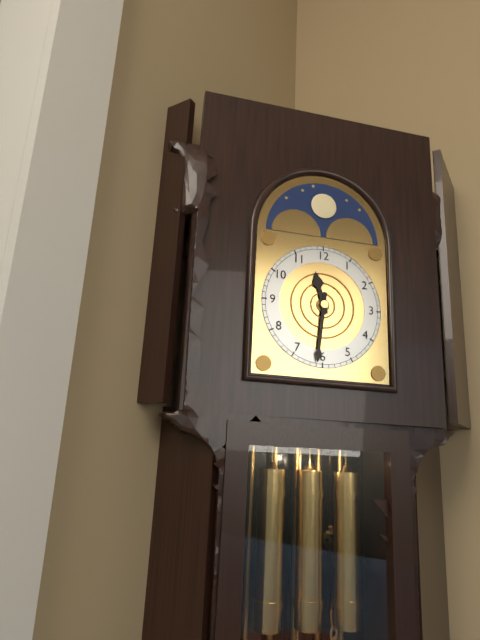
11 h 31 min
